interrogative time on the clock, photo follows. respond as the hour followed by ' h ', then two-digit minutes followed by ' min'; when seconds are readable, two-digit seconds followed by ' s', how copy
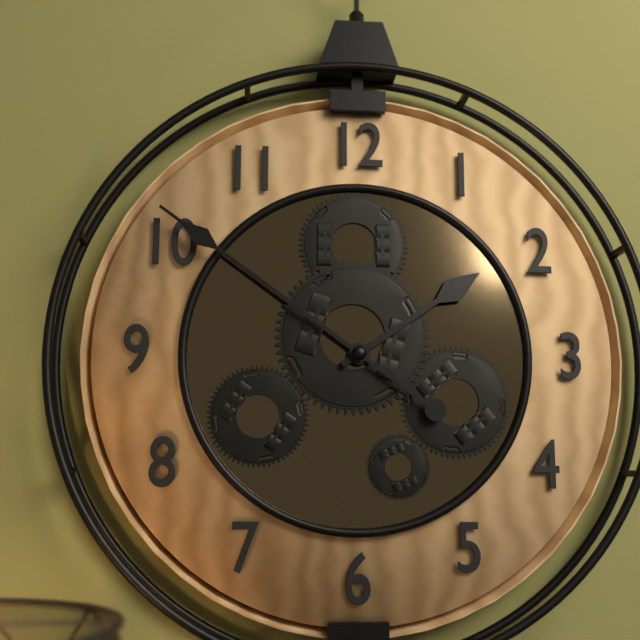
1 h 51 min
